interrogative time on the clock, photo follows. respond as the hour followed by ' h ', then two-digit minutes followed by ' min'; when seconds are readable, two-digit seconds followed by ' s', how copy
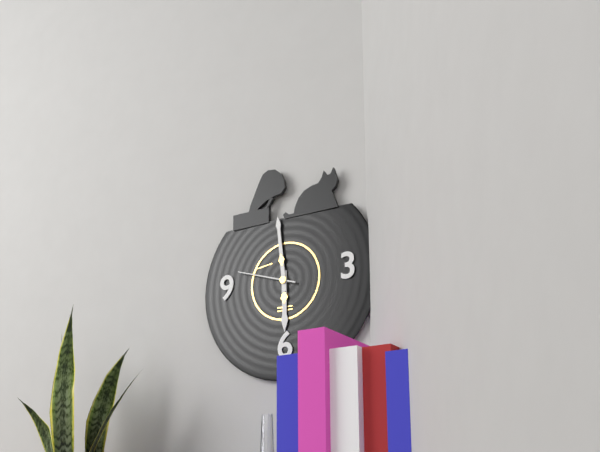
5 h 59 min 48 s
